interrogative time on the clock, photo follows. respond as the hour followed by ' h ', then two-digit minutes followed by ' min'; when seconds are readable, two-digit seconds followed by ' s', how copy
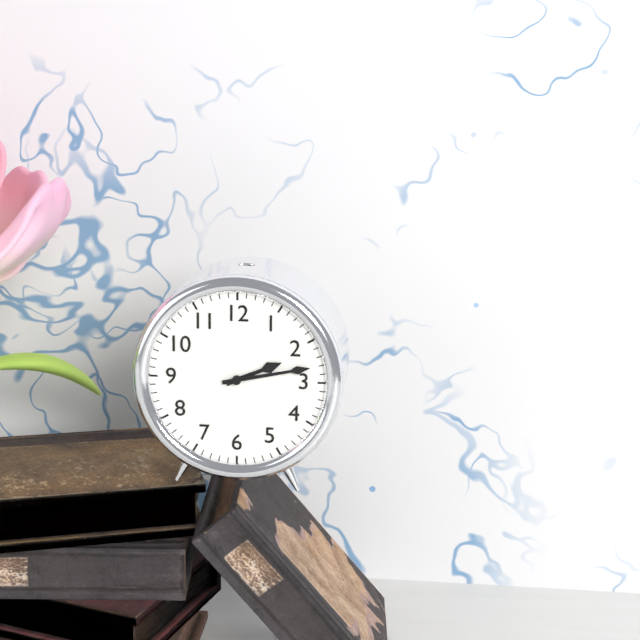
2 h 13 min
